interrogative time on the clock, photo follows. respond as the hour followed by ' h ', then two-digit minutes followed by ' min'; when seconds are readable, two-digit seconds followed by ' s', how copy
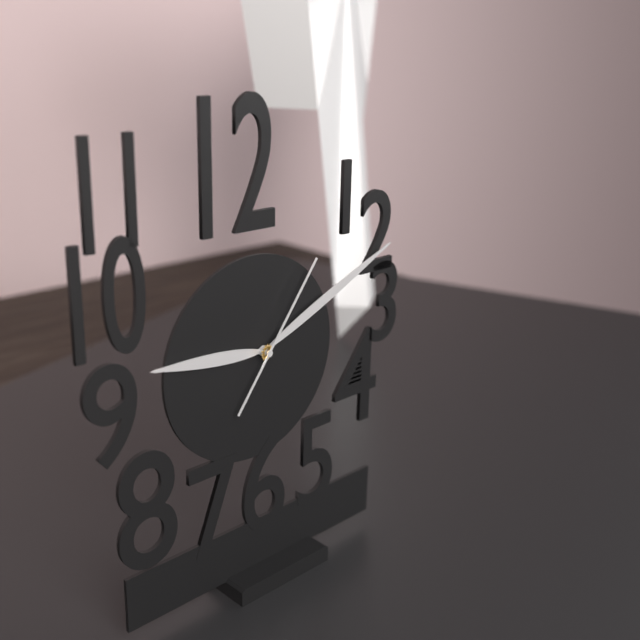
9 h 11 min 06 s
